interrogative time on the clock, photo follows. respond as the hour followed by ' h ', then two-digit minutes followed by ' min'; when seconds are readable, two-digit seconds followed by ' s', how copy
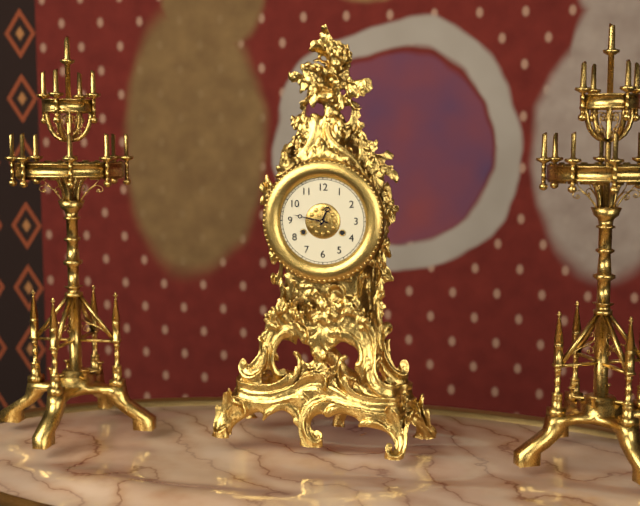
12 h 47 min
